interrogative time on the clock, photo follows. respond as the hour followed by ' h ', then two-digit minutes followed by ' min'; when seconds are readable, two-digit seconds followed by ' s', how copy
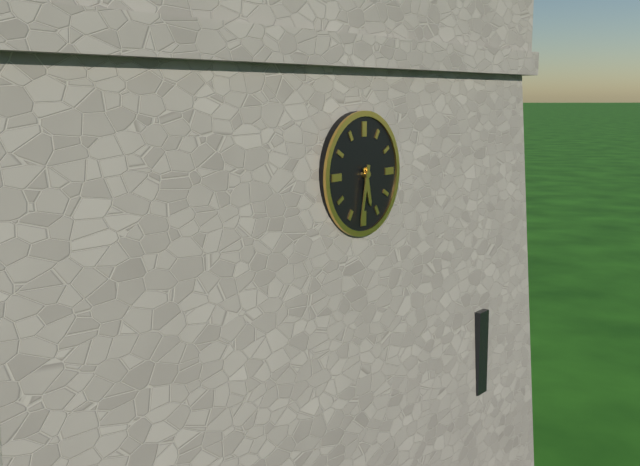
5 h 32 min
